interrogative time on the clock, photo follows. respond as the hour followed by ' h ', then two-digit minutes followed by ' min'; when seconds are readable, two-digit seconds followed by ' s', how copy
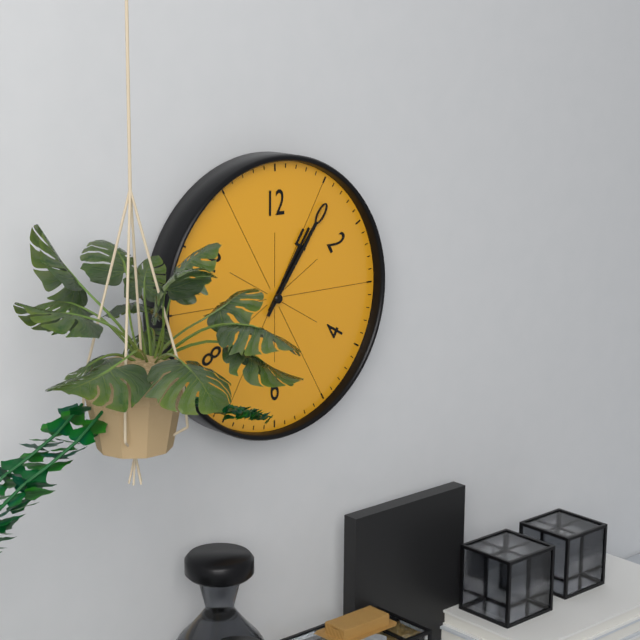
1 h 06 min
